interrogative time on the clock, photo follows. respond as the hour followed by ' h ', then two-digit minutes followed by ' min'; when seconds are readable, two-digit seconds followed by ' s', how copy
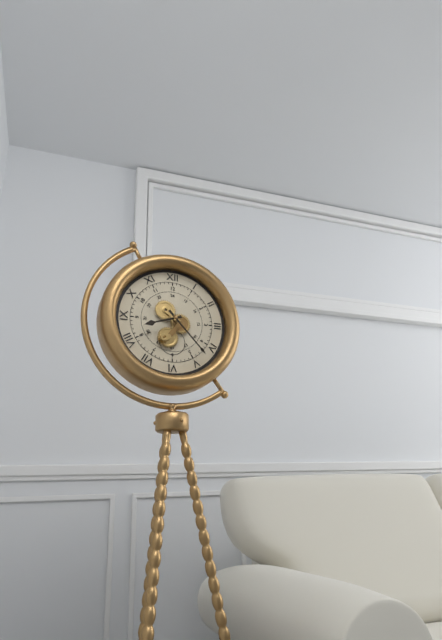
8 h 23 min
